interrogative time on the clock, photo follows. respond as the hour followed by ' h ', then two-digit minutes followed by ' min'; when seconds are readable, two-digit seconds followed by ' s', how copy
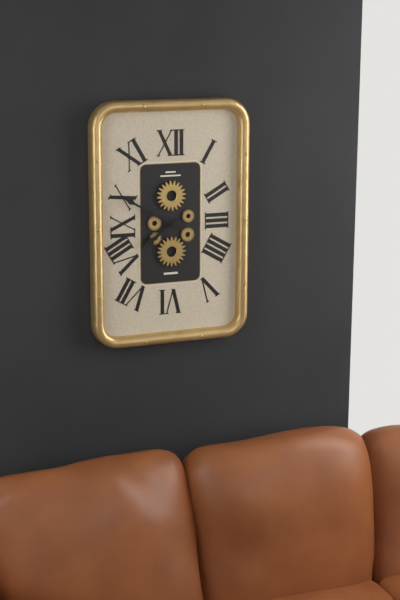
7 h 50 min
